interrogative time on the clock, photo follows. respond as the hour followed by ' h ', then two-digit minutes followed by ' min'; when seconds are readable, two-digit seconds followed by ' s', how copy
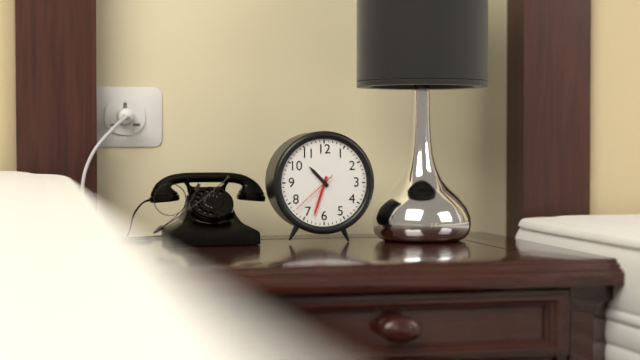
10 h 33 min
